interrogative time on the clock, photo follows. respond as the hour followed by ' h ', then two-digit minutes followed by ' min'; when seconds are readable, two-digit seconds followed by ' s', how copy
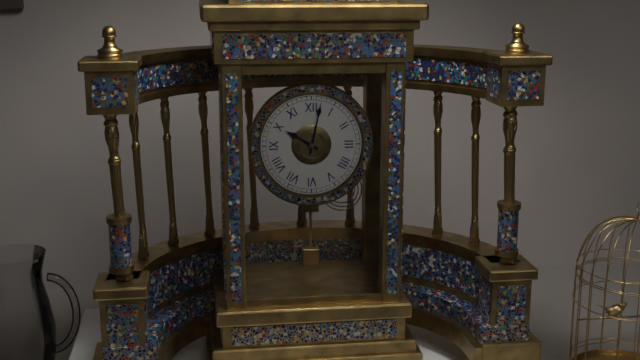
10 h 02 min
